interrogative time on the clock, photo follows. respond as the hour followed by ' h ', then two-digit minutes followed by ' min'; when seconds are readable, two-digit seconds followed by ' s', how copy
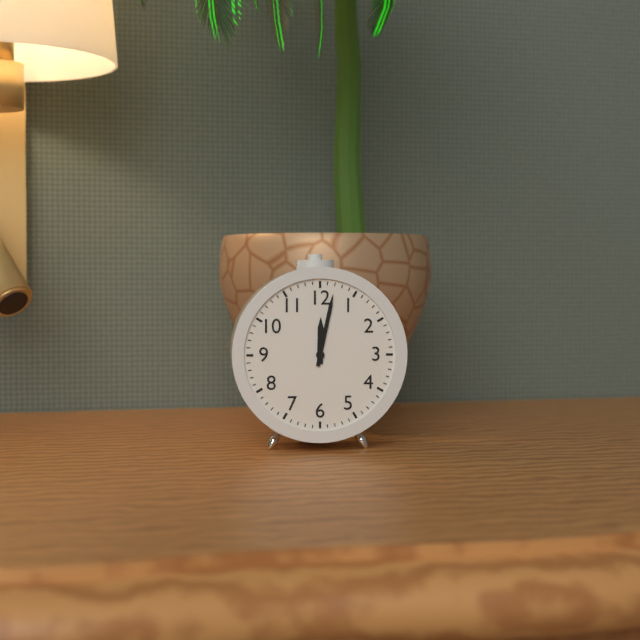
12 h 02 min
